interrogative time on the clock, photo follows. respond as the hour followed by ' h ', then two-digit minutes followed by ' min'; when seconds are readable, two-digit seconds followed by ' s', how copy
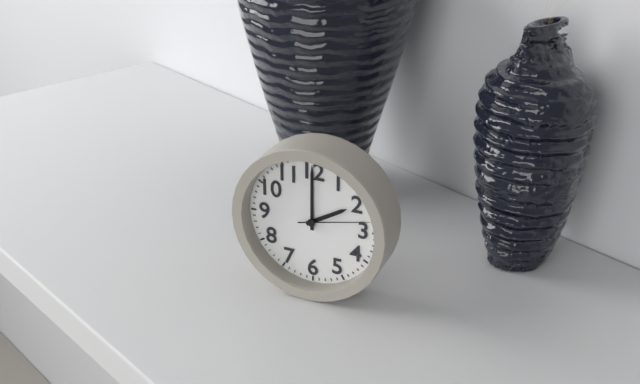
2 h 00 min 13 s
